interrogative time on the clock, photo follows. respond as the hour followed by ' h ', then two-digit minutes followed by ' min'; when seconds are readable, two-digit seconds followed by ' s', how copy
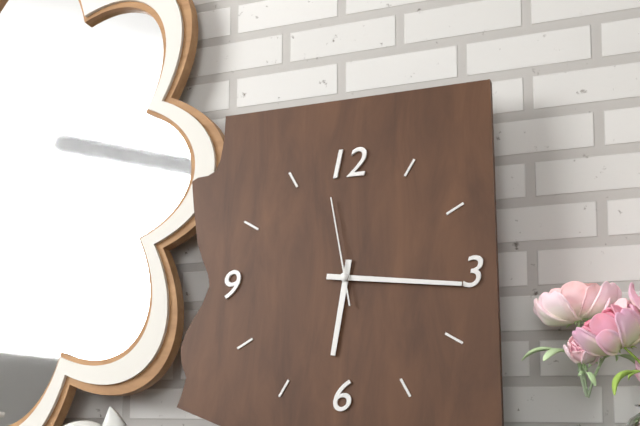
6 h 16 min 58 s
